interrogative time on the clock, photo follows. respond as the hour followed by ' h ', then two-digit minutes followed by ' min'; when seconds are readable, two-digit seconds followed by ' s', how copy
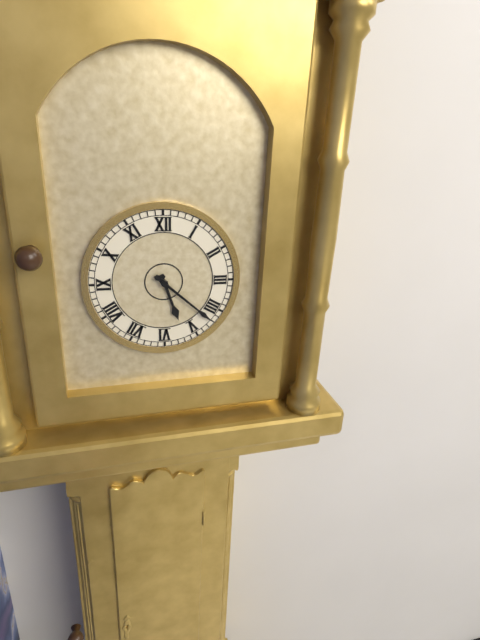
5 h 22 min
